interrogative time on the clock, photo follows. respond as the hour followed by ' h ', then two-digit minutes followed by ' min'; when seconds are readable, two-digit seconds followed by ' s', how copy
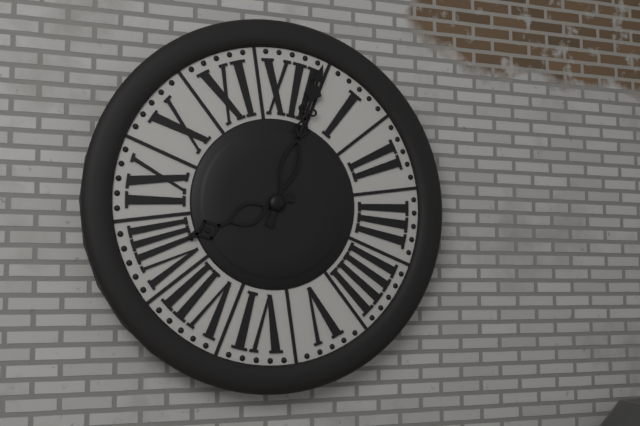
8 h 02 min
